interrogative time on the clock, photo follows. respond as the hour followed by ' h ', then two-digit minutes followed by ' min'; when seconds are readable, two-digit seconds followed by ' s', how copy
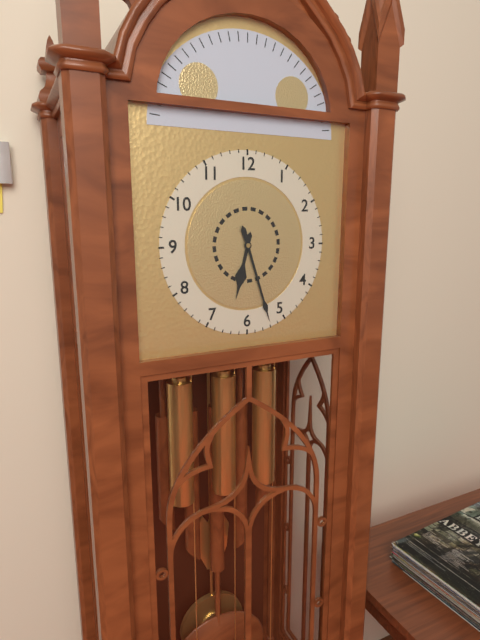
6 h 27 min
